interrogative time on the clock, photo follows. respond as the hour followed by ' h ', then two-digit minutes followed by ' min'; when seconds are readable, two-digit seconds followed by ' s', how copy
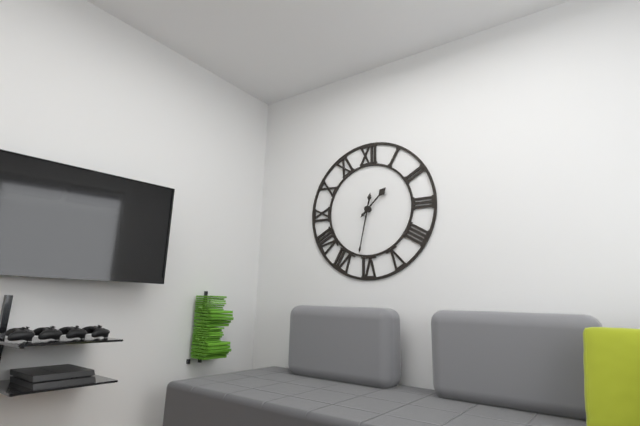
1 h 32 min
